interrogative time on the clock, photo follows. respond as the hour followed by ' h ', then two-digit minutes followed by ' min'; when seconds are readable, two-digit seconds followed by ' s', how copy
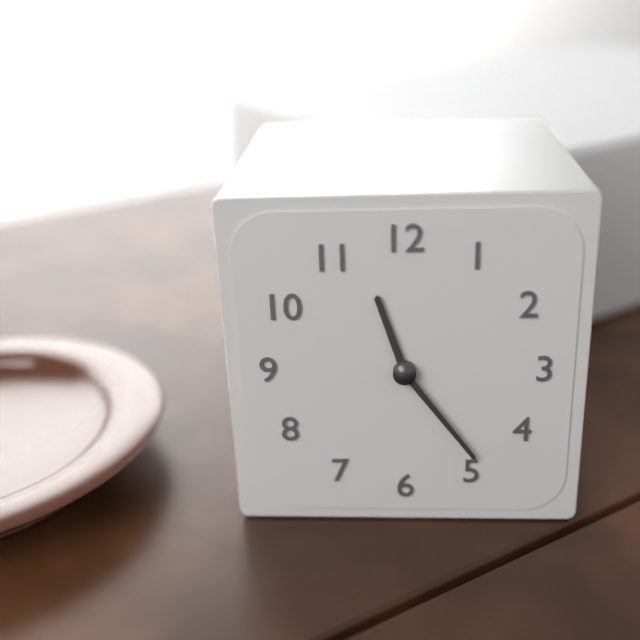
11 h 24 min
